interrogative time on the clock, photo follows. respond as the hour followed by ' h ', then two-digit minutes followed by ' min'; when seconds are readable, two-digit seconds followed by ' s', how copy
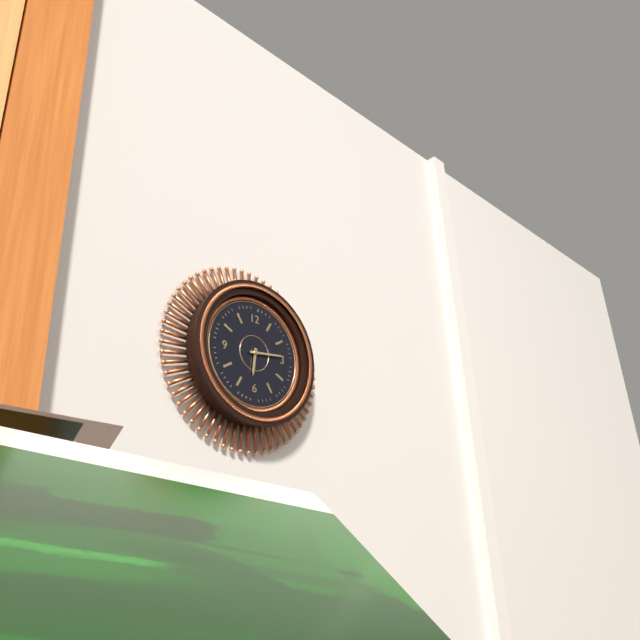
6 h 14 min
